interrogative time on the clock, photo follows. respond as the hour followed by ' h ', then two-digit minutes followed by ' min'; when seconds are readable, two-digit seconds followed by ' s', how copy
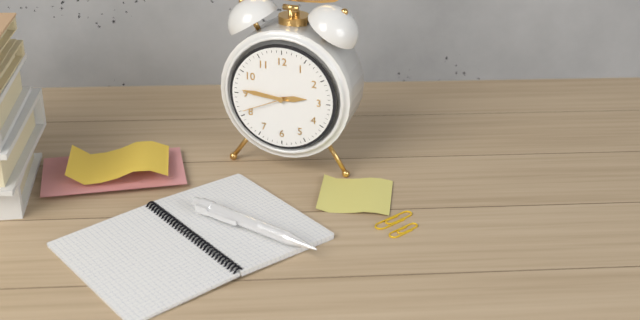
2 h 46 min 41 s
